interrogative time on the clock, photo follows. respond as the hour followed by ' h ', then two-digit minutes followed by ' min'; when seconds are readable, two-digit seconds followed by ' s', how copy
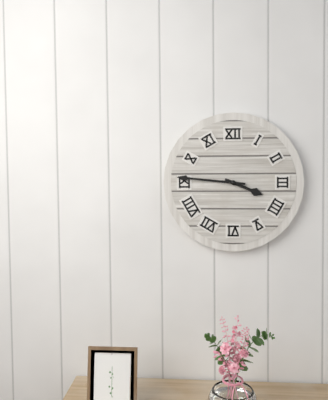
3 h 46 min
